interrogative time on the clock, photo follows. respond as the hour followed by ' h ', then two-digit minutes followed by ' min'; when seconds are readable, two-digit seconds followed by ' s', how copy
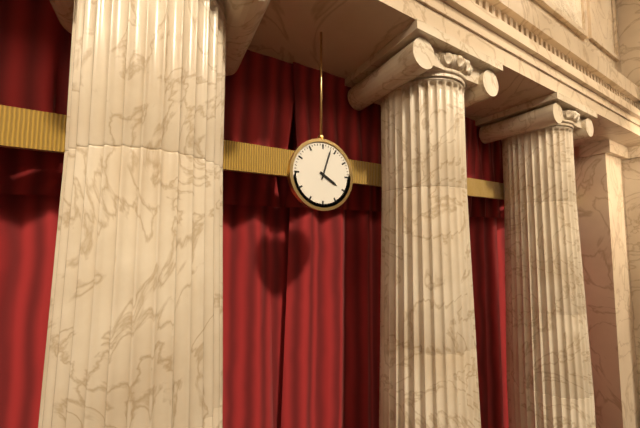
4 h 03 min
